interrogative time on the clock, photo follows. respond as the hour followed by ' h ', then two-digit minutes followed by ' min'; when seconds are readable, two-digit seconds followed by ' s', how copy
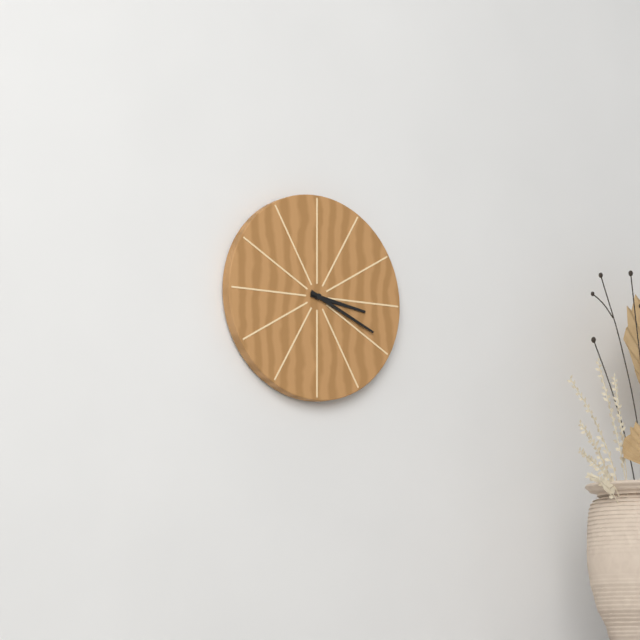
3 h 19 min
